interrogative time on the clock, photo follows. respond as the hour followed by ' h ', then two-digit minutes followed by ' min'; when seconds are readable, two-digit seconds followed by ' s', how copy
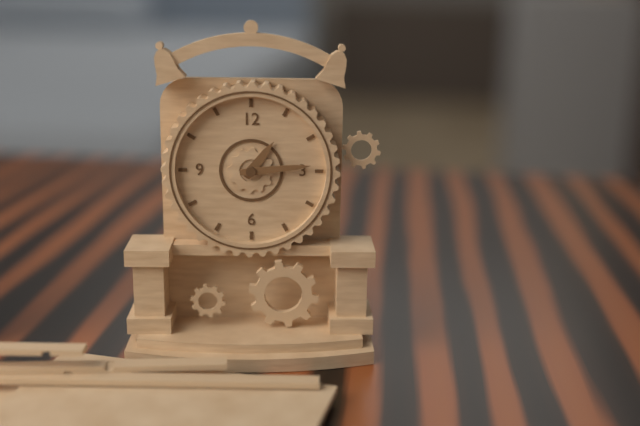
1 h 14 min
